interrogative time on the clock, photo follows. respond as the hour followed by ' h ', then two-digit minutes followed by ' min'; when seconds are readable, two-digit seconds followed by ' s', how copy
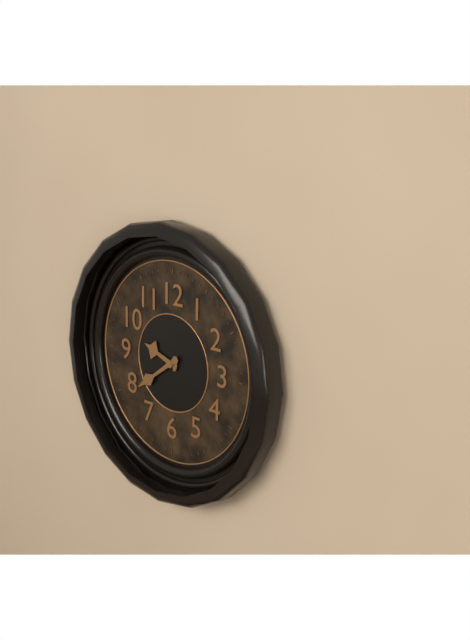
9 h 39 min
